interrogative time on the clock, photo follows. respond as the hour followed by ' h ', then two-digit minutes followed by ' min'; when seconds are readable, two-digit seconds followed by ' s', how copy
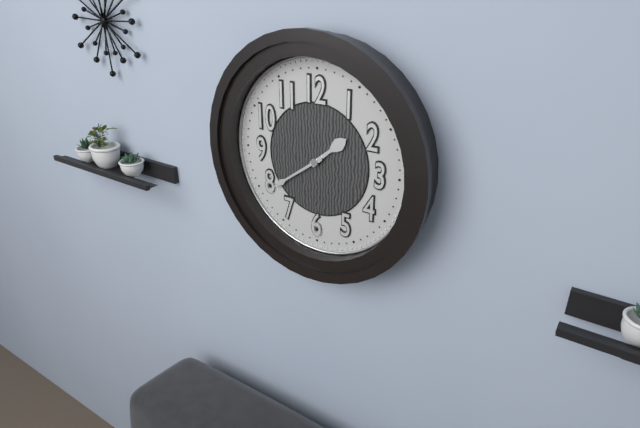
1 h 39 min
